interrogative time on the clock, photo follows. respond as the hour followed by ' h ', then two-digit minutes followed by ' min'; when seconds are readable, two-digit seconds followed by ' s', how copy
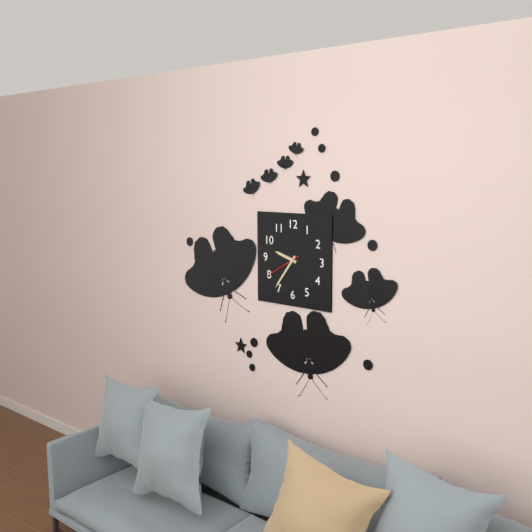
9 h 36 min
